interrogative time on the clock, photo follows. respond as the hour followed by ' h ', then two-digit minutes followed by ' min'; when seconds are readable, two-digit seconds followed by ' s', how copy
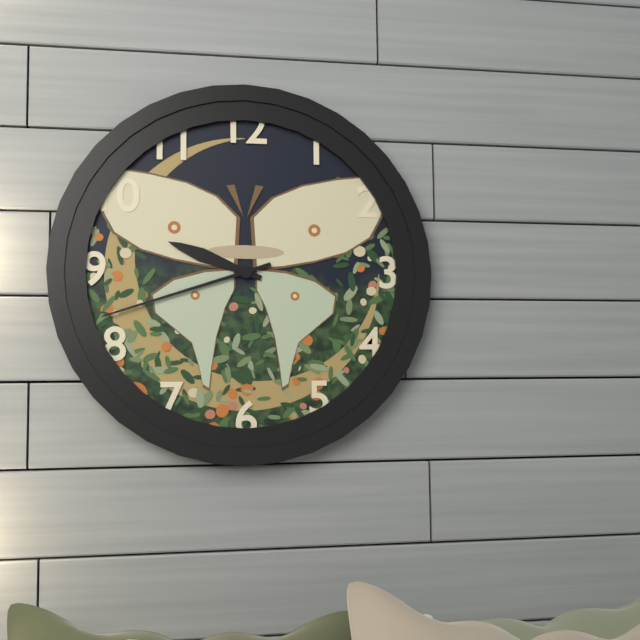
9 h 42 min
